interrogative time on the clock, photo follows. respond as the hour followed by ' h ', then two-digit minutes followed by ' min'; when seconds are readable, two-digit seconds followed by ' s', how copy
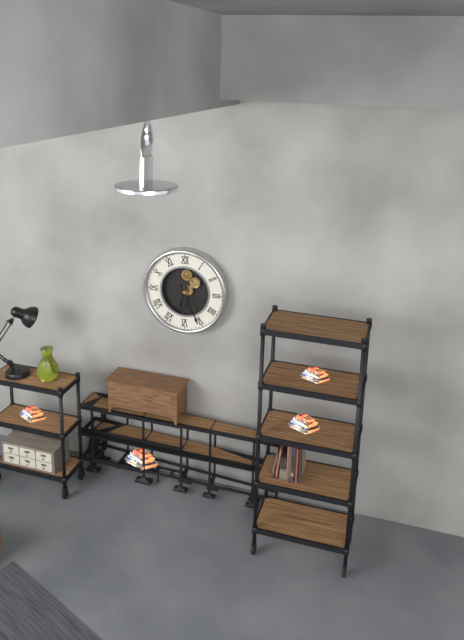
6 h 26 min
